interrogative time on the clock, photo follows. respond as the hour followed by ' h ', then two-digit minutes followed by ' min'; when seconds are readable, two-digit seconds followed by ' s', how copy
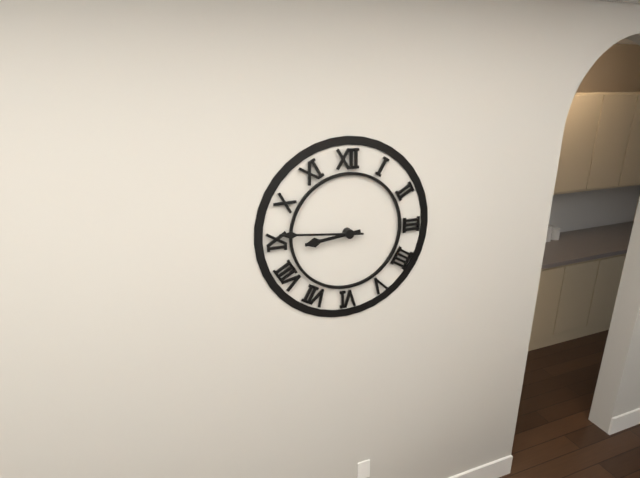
8 h 46 min
